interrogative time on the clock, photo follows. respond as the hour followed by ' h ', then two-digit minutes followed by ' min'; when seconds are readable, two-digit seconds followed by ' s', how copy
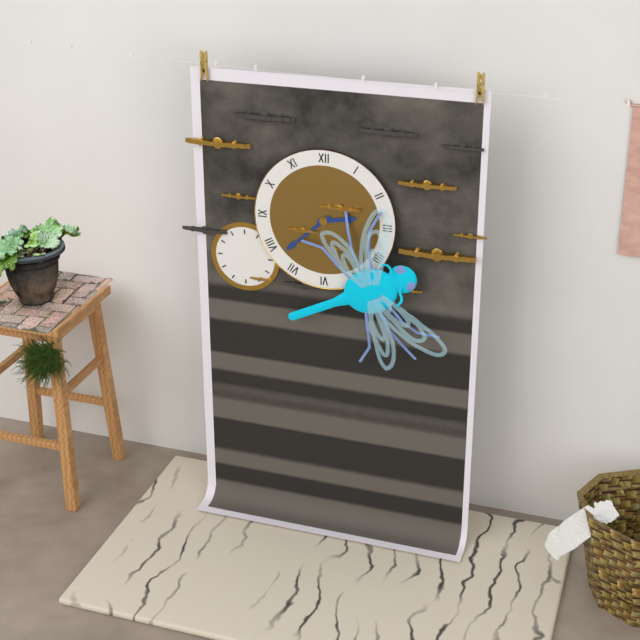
2 h 38 min
